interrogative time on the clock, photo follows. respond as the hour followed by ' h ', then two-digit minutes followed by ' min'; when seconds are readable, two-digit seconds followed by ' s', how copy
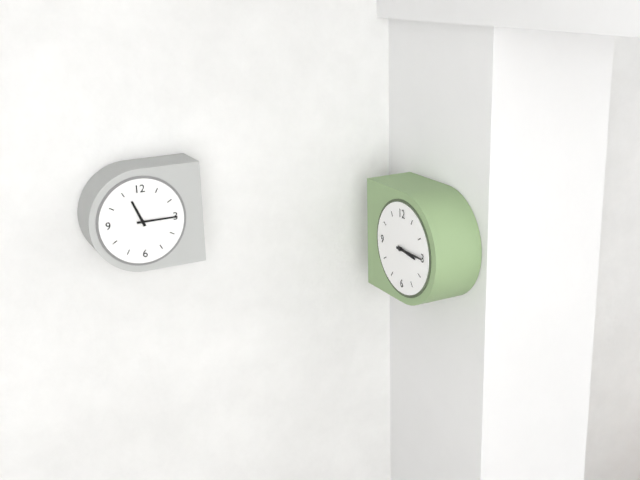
3 h 15 min
